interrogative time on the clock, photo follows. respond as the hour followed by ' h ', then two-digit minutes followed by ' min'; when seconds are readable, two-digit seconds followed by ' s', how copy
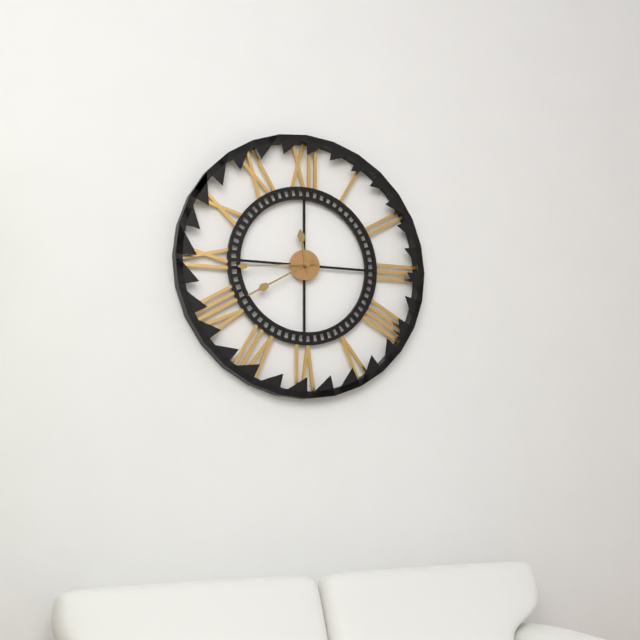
11 h 40 min 44 s
